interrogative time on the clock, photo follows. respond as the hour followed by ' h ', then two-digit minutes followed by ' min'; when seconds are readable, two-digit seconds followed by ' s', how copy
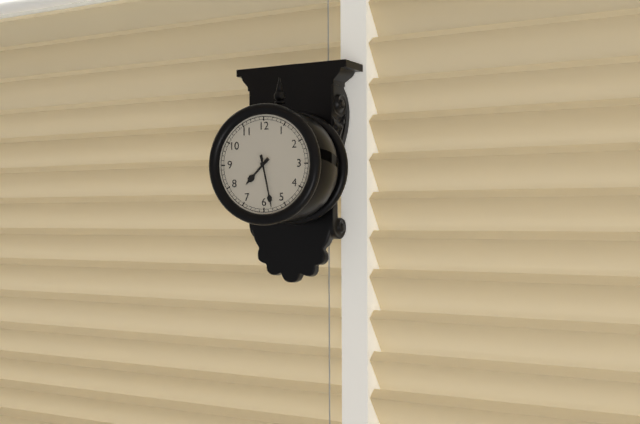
7 h 28 min
